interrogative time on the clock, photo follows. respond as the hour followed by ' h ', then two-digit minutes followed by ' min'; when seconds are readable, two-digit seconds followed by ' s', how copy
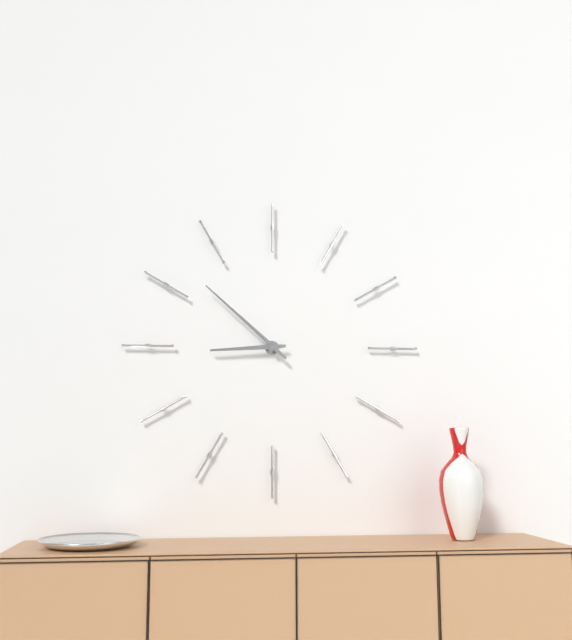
8 h 52 min
